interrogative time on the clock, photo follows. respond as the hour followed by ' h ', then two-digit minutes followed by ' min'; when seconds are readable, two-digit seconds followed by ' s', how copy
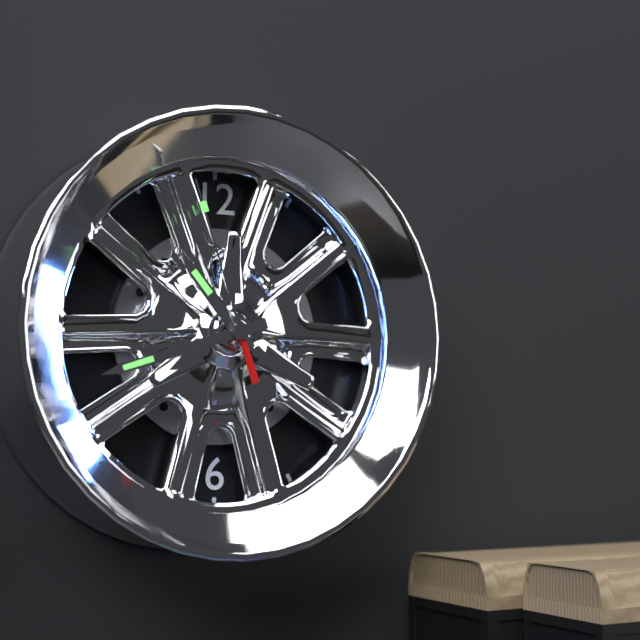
10 h 42 min 57 s
